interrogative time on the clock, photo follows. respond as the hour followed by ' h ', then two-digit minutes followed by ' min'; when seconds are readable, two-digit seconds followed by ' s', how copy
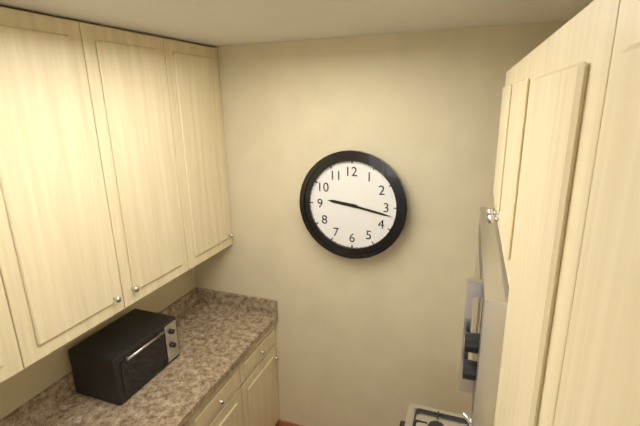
9 h 17 min
